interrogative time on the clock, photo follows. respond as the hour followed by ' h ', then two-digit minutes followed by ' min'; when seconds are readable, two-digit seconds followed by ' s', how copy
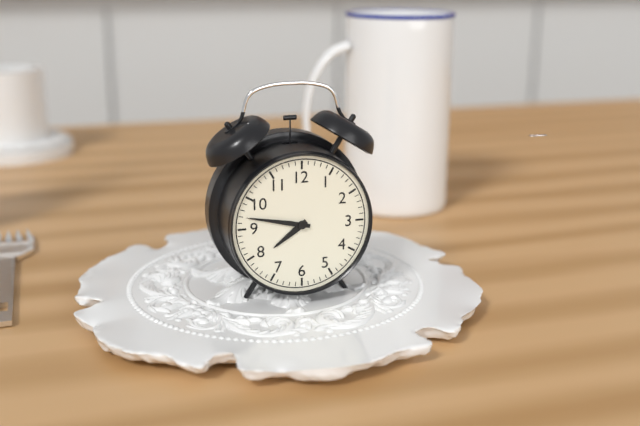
7 h 47 min
